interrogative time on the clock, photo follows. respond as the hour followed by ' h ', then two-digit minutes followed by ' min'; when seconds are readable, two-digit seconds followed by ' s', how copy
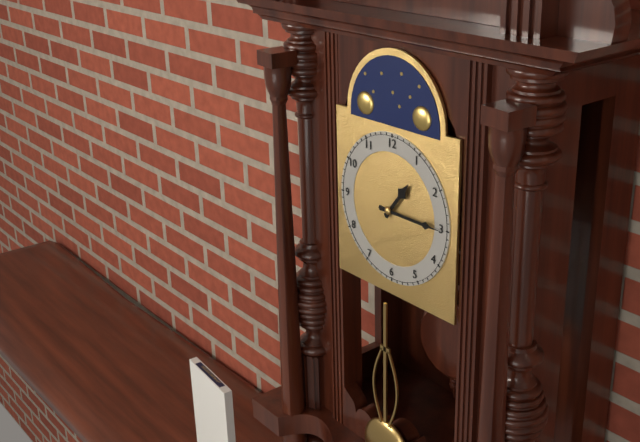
1 h 15 min
